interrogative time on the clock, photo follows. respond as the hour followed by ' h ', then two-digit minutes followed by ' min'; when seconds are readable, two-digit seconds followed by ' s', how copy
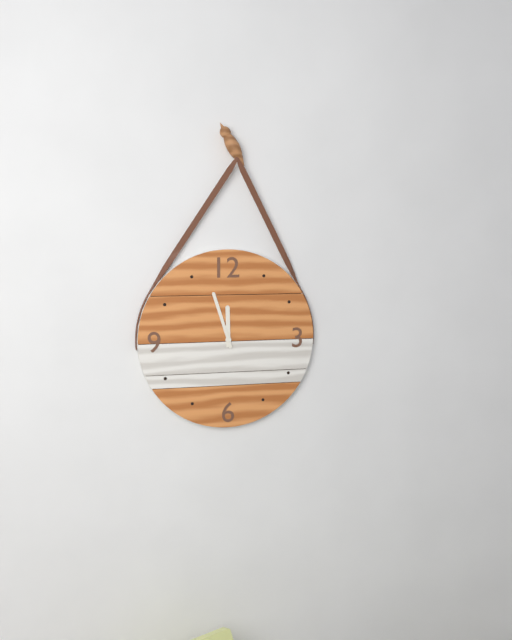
11 h 57 min
